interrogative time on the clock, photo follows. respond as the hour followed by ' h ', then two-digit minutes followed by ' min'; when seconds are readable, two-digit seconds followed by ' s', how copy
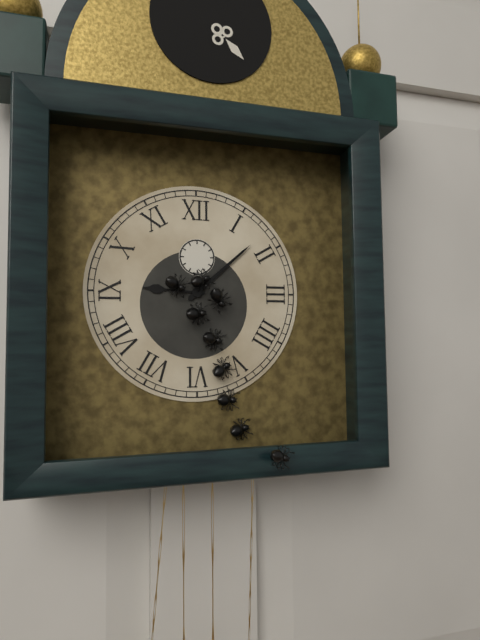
9 h 08 min
